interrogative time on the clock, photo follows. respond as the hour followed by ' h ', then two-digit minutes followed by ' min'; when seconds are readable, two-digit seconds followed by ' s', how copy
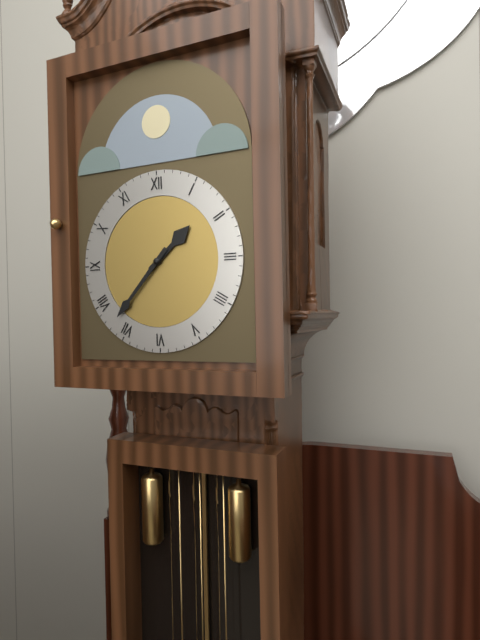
1 h 37 min
